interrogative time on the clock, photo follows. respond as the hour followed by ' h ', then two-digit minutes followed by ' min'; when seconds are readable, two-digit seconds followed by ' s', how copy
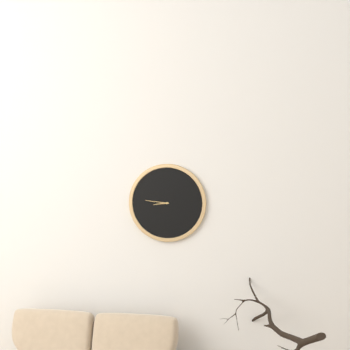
8 h 46 min
